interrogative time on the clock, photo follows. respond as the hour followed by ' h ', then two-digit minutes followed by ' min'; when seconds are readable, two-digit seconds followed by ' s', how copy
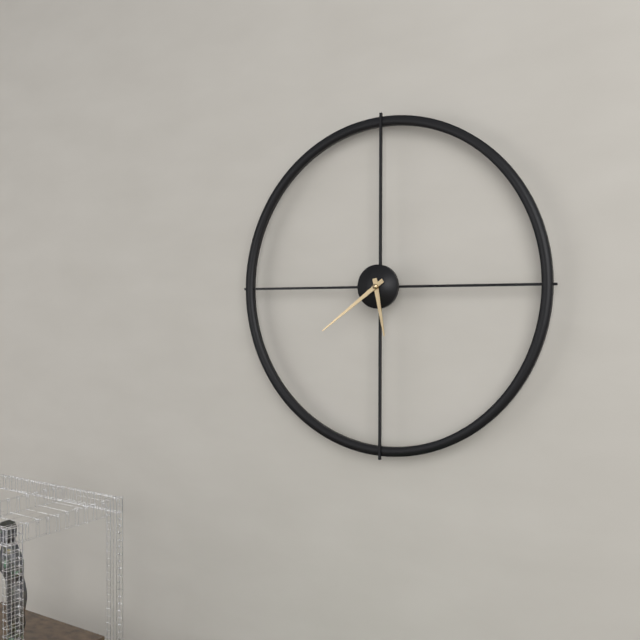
5 h 39 min
